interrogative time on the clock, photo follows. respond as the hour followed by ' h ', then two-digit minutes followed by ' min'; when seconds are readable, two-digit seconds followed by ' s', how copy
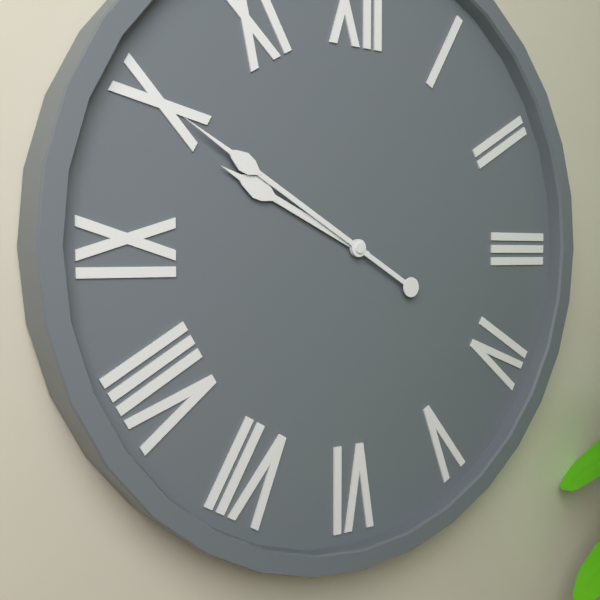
9 h 50 min
